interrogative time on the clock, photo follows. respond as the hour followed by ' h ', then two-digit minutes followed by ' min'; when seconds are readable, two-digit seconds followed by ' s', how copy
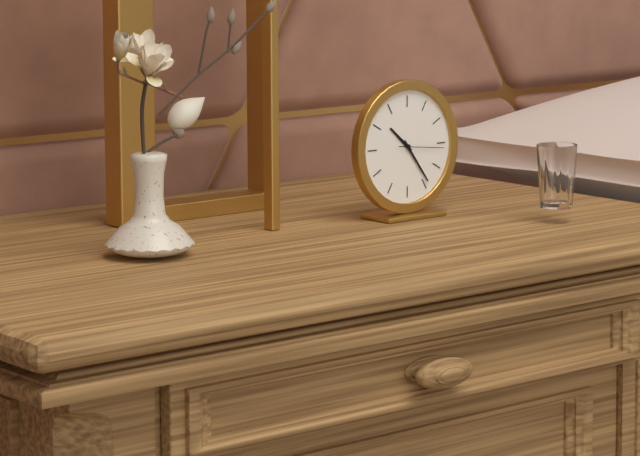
10 h 24 min
